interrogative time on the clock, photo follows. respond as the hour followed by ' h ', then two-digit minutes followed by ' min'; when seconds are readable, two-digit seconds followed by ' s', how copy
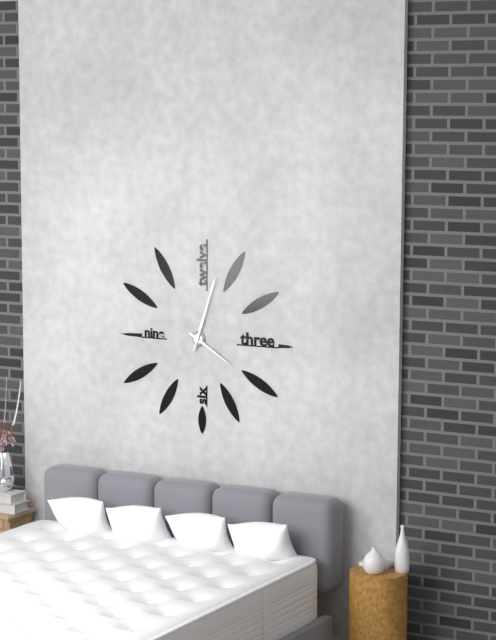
4 h 03 min
